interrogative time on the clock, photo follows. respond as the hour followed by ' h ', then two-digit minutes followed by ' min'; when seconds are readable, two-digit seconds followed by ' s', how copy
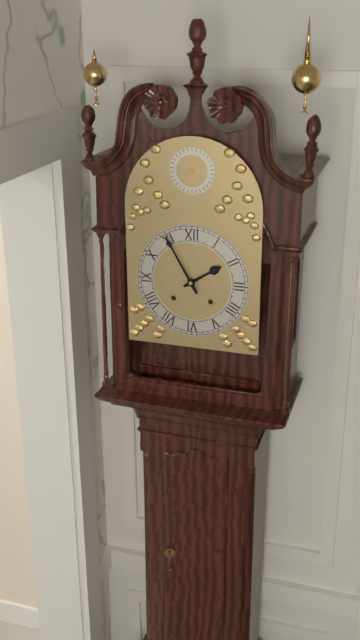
1 h 55 min
